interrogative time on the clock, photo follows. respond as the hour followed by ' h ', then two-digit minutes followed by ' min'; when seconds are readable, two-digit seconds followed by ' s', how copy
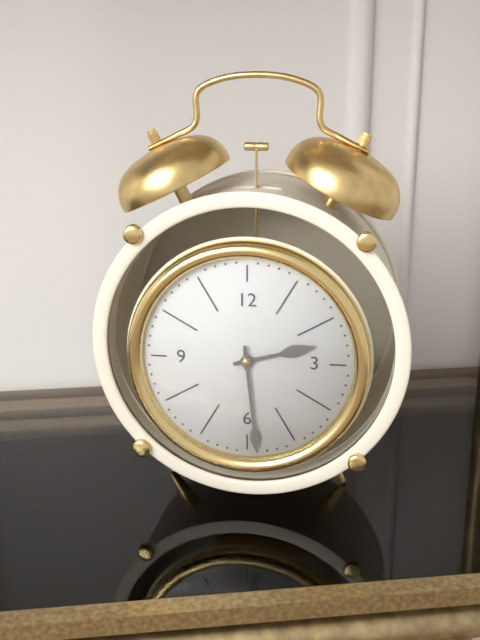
2 h 29 min
